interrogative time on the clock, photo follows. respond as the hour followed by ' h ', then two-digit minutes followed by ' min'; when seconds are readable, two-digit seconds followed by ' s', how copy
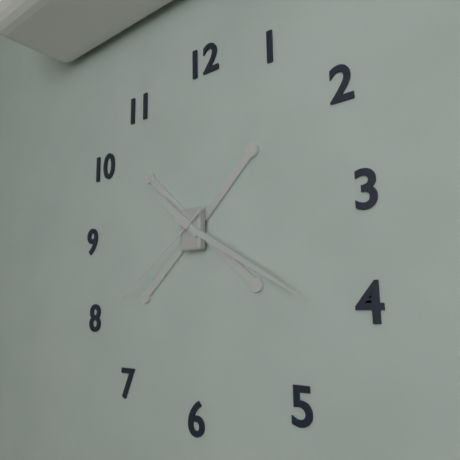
10 h 20 min 39 s
